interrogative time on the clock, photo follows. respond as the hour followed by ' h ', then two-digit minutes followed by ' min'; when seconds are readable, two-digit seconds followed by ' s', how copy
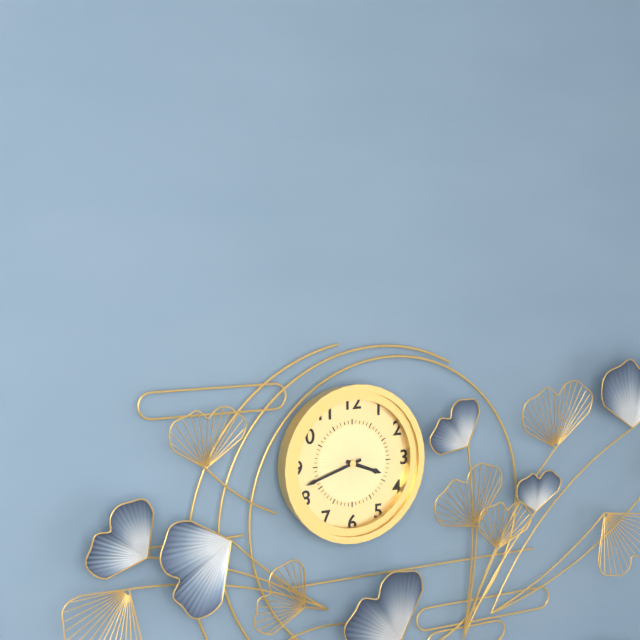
3 h 42 min
